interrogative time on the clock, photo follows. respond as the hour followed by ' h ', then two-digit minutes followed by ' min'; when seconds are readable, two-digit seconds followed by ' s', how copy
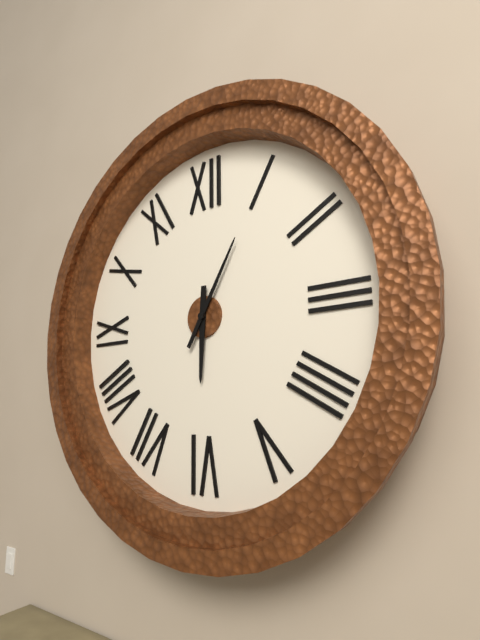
6 h 05 min
